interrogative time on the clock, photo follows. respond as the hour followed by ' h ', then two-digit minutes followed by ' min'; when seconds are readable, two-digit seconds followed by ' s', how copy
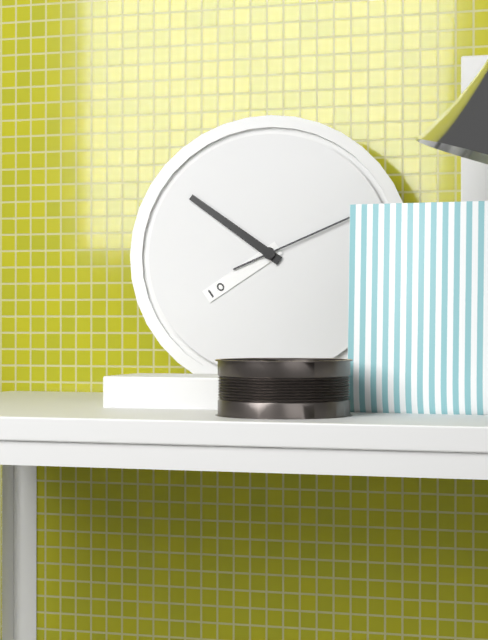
7 h 51 min 11 s
